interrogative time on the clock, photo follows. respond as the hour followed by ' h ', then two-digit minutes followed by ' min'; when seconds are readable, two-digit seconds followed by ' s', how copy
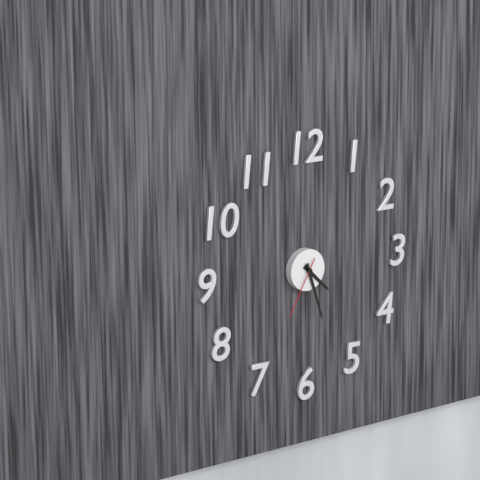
4 h 27 min 35 s
